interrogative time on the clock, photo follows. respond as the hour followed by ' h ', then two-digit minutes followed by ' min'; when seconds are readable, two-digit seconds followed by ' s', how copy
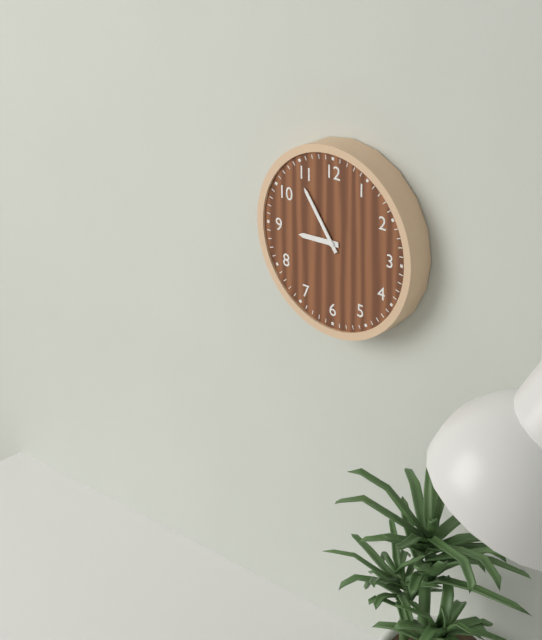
8 h 54 min
